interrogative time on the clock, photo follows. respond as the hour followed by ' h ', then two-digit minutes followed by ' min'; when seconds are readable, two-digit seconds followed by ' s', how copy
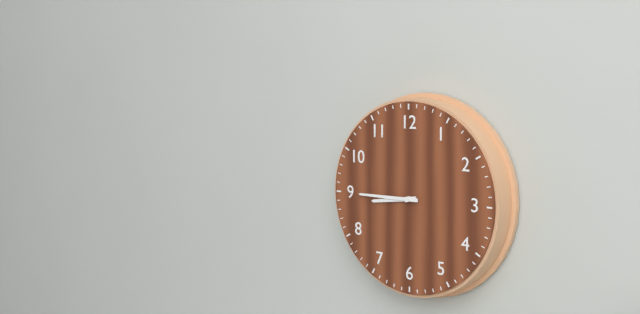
8 h 45 min
